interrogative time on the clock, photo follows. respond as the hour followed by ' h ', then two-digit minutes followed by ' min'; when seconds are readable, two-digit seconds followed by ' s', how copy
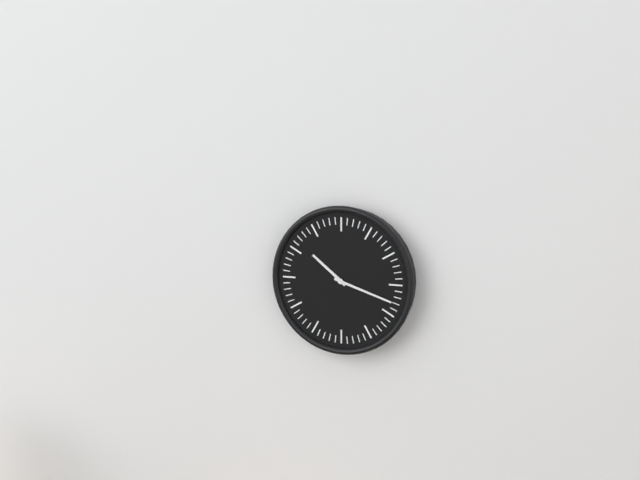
10 h 18 min
